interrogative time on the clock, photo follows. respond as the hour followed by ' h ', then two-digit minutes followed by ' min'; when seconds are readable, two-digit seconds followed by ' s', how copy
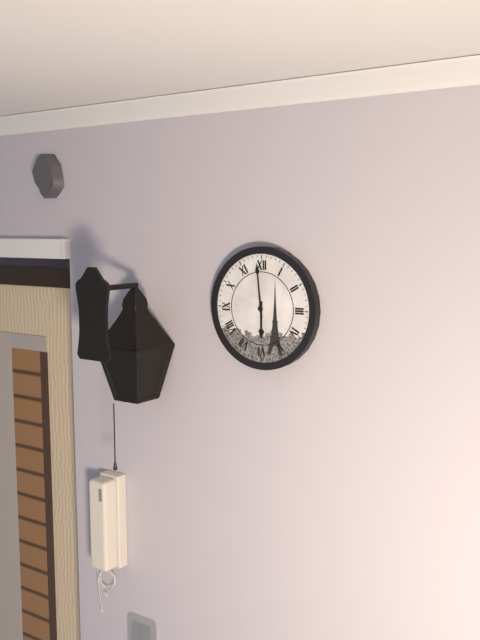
5 h 59 min
